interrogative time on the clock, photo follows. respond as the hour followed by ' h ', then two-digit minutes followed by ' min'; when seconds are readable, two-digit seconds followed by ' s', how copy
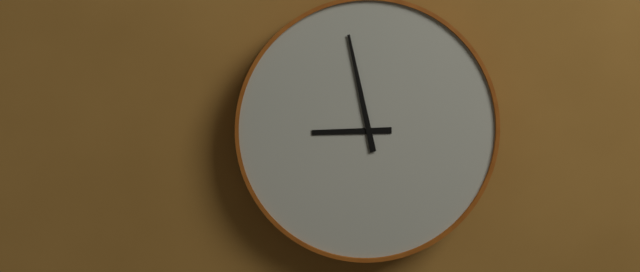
8 h 58 min
